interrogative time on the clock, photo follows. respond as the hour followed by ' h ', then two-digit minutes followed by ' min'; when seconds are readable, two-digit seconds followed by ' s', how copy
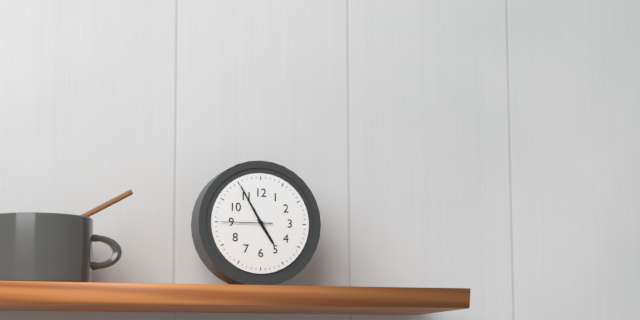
4 h 55 min 45 s
